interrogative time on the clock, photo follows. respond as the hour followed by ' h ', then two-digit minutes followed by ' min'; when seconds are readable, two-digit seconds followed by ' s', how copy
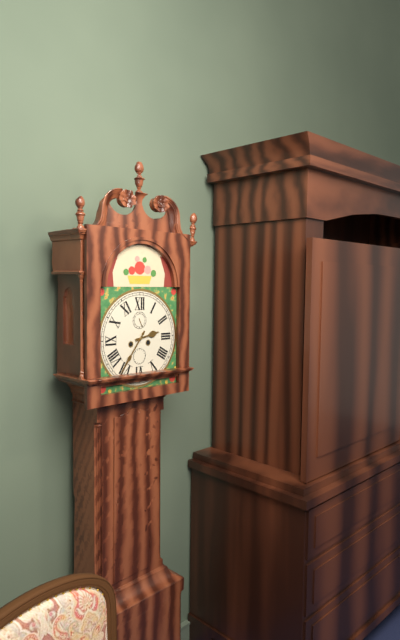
2 h 36 min
